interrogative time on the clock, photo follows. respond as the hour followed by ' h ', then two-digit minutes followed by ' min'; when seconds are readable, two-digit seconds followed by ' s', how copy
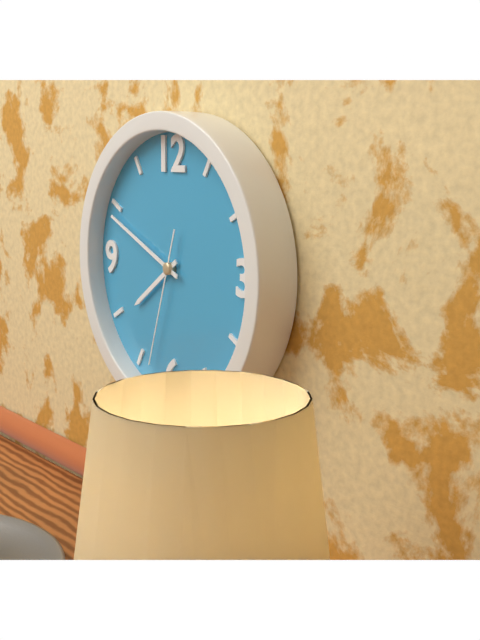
7 h 49 min 33 s
